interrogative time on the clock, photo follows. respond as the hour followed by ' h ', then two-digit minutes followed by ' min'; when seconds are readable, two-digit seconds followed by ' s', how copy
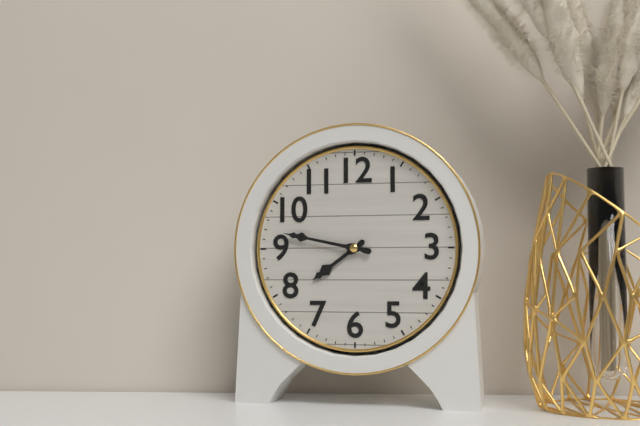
7 h 47 min
